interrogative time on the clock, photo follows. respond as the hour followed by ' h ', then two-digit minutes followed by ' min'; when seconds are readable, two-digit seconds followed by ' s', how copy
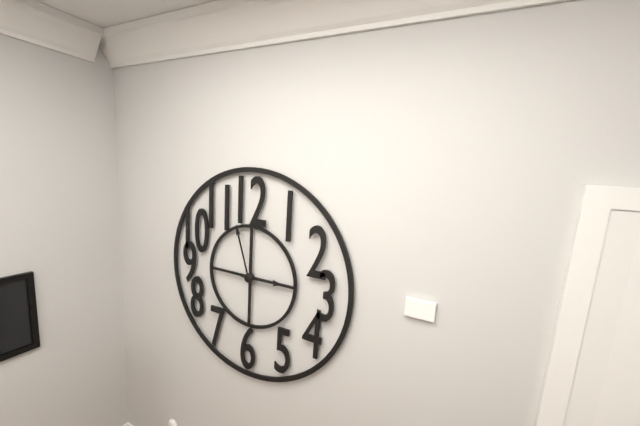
2 h 57 min
